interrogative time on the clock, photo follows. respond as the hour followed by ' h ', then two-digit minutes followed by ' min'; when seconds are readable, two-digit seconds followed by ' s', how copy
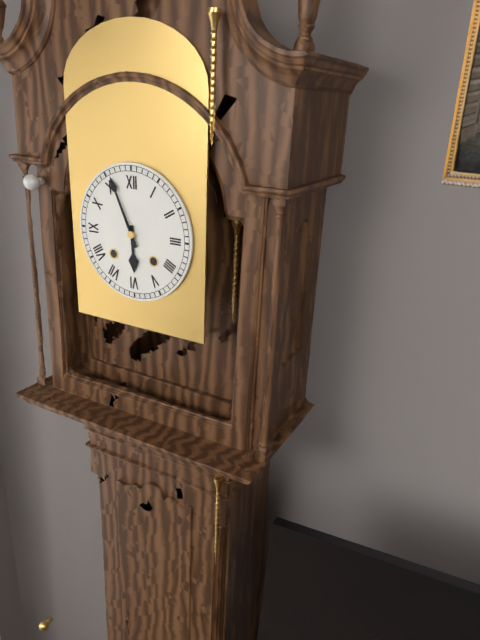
5 h 56 min
